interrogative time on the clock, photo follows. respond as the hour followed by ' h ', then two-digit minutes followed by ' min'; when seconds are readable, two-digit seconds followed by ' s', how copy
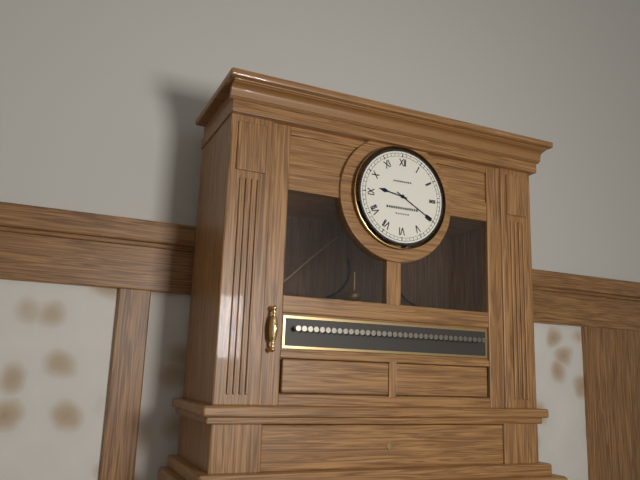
9 h 20 min
